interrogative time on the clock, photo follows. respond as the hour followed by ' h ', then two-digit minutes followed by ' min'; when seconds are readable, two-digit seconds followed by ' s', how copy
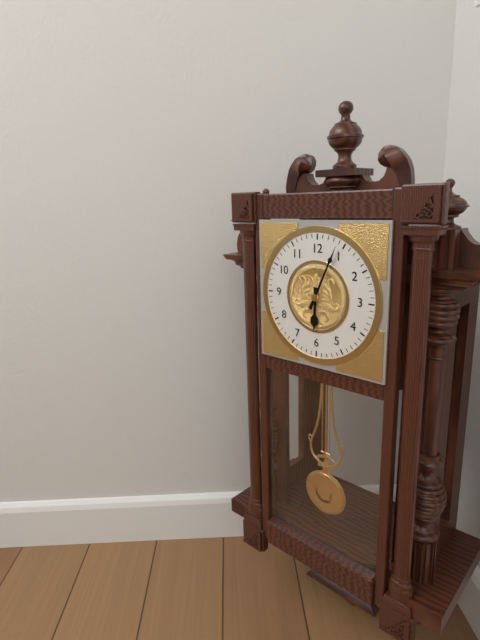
6 h 04 min
